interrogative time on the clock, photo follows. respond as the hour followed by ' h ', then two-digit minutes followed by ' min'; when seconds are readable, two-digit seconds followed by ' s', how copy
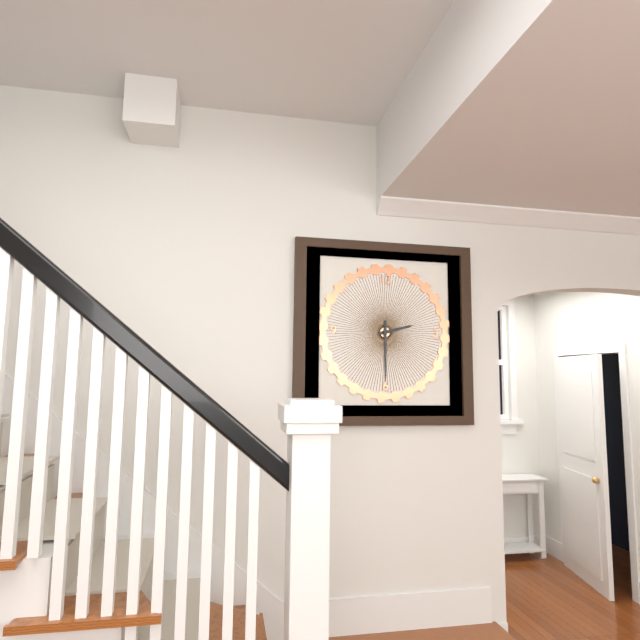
2 h 30 min
